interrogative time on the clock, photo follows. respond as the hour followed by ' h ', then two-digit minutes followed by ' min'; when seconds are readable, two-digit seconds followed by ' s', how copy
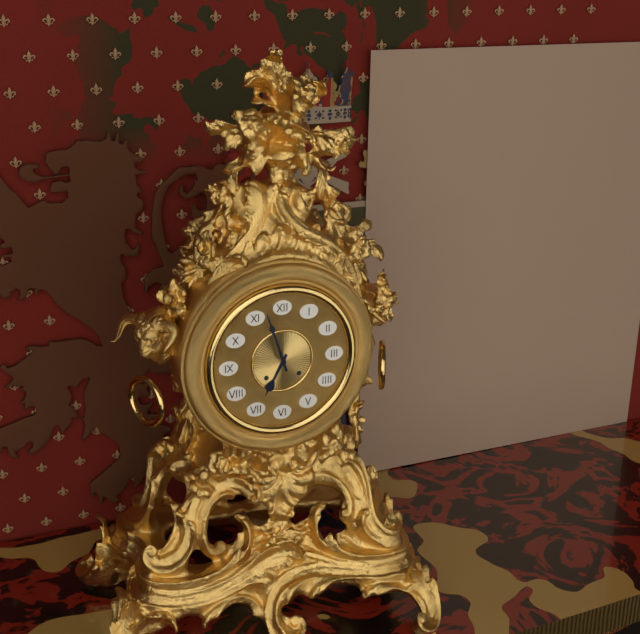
6 h 57 min
